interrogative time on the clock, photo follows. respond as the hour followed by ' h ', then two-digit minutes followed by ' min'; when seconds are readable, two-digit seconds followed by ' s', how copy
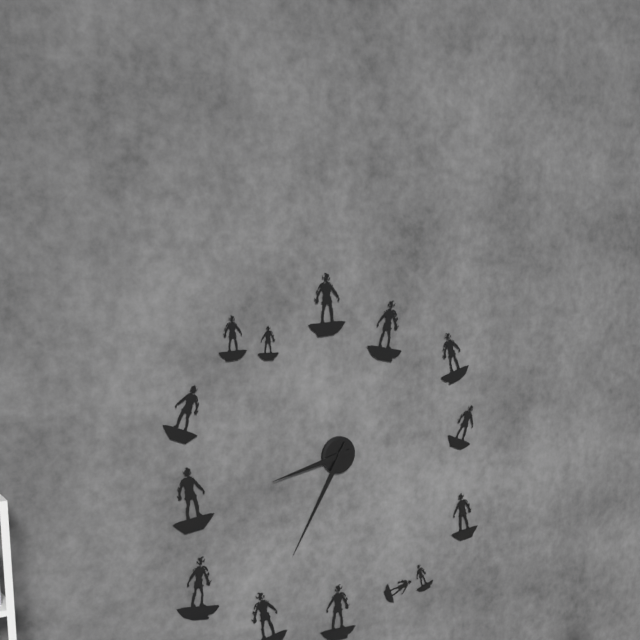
8 h 35 min
